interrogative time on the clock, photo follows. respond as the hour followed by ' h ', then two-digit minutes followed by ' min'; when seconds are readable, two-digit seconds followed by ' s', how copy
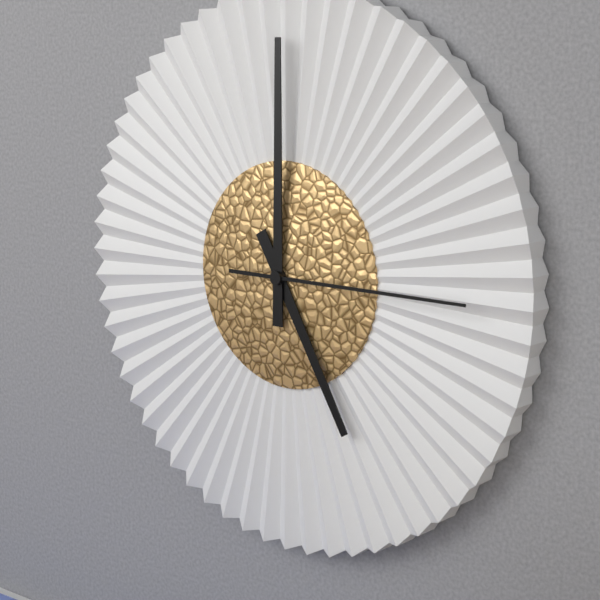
5 h 00 min 15 s
